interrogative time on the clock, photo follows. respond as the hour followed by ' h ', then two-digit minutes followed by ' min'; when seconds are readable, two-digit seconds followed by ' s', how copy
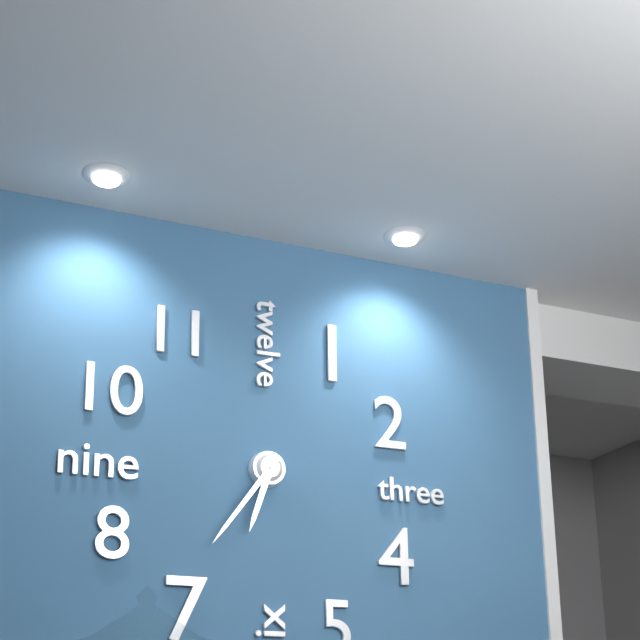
6 h 36 min
